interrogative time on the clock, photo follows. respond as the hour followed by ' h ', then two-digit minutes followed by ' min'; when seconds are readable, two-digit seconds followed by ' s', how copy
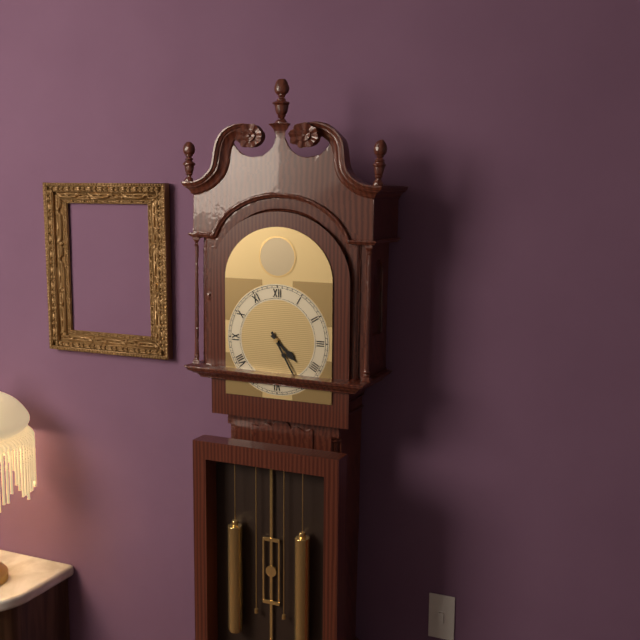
4 h 25 min
